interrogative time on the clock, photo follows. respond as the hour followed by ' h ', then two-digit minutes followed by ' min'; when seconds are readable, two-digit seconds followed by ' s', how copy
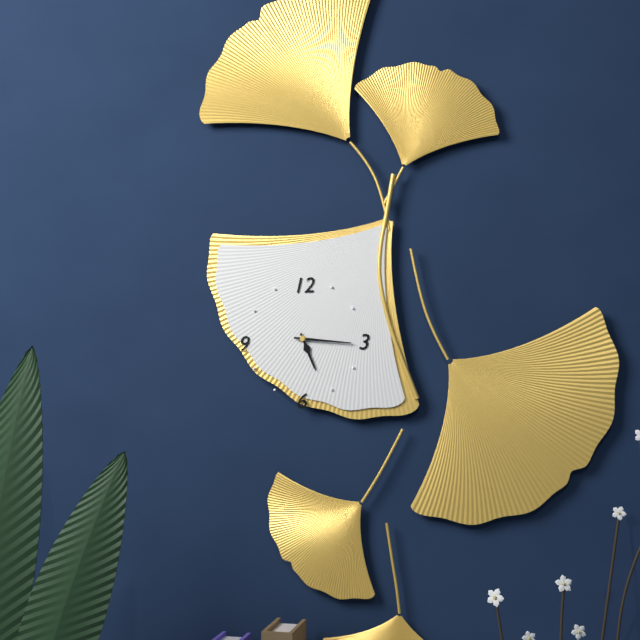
5 h 16 min
